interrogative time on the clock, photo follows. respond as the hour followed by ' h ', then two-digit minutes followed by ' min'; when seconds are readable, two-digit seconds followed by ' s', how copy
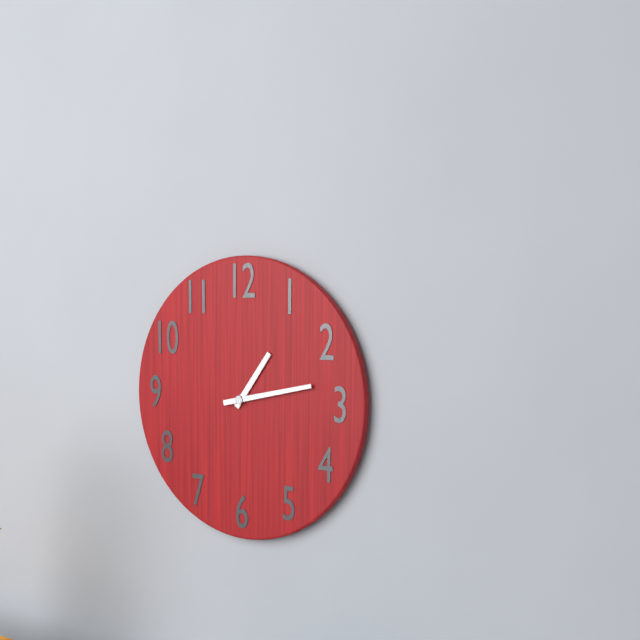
1 h 13 min
